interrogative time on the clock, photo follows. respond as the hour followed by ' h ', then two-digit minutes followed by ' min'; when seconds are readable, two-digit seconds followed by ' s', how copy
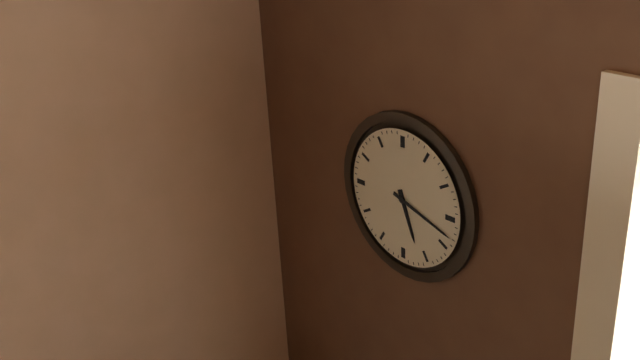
5 h 18 min
